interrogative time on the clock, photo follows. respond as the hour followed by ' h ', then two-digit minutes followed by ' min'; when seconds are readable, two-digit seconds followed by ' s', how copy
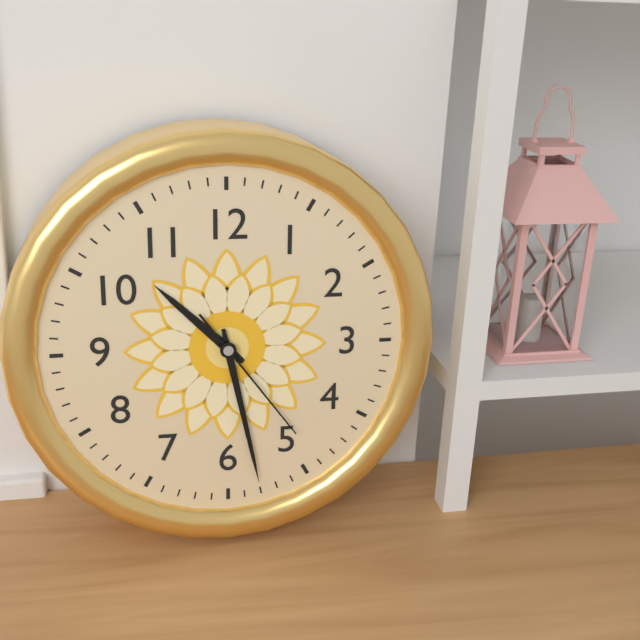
10 h 28 min 24 s
